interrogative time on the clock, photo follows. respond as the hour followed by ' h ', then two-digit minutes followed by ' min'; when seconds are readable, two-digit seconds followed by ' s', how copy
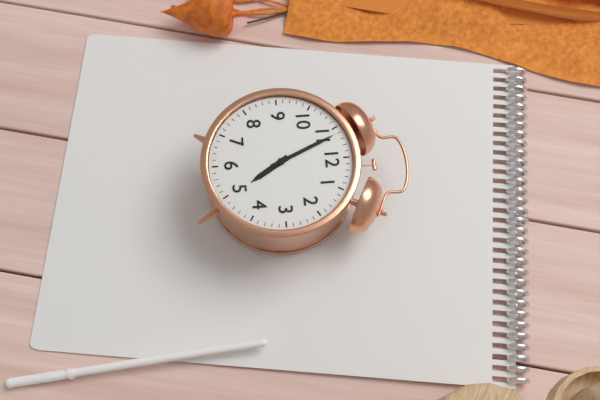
4 h 56 min
